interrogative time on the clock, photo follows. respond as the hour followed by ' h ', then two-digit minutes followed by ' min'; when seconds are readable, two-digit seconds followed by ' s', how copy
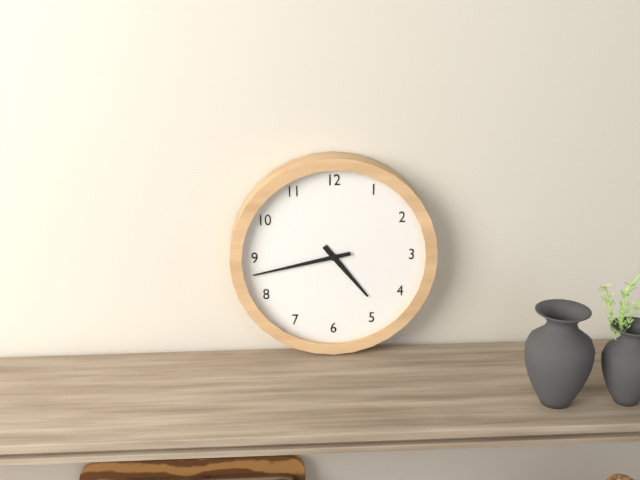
4 h 43 min
